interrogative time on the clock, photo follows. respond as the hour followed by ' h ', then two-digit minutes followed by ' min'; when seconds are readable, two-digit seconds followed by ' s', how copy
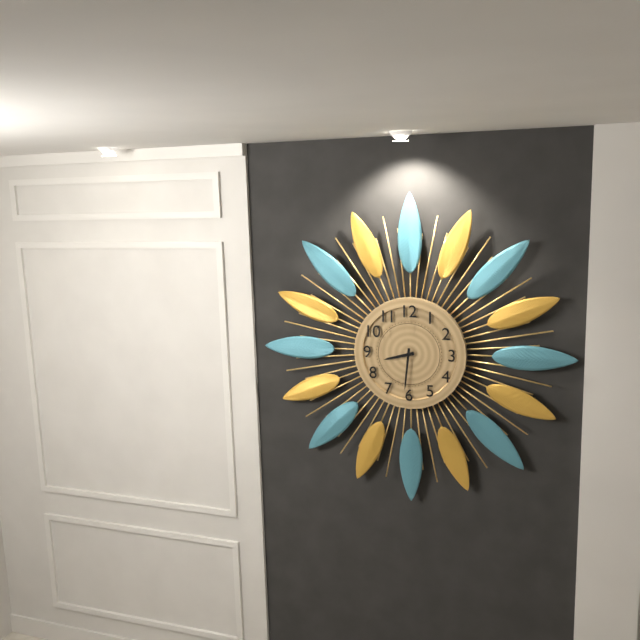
8 h 31 min
